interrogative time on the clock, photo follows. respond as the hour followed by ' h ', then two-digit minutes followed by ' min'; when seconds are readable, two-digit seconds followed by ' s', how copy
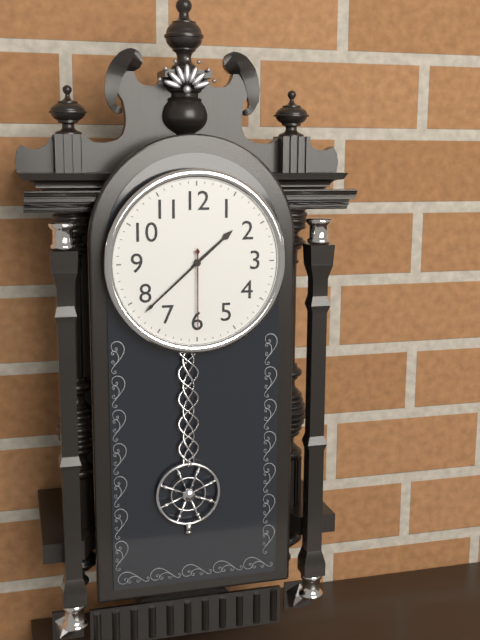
1 h 38 min 30 s
